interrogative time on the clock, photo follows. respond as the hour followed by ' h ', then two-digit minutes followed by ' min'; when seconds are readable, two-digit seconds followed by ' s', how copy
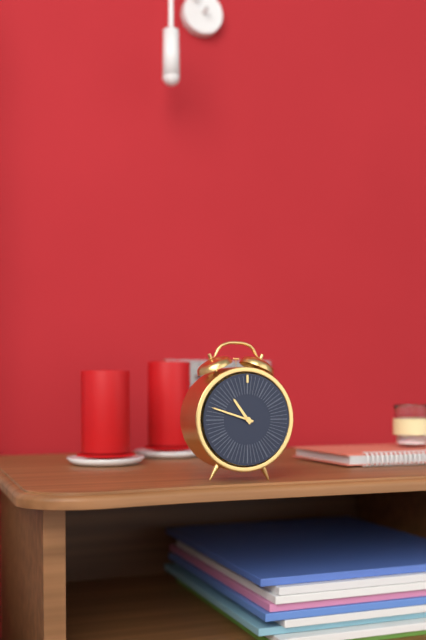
10 h 48 min
